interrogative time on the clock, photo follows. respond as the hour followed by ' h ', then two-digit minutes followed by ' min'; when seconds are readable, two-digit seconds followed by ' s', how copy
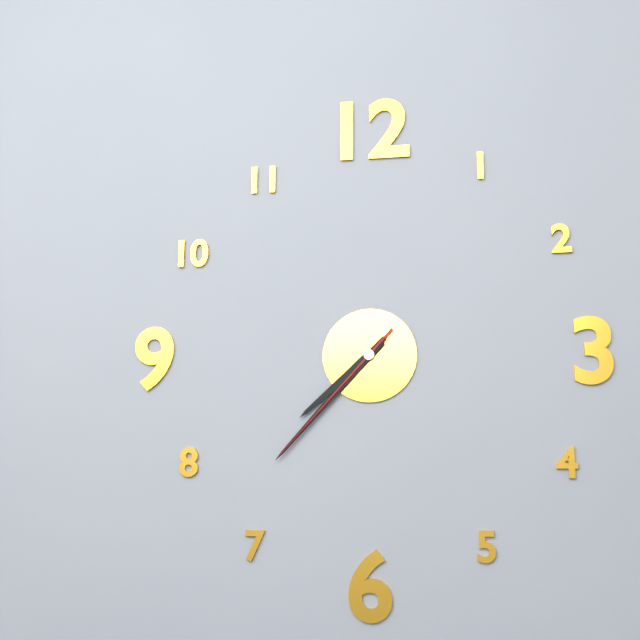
7 h 37 min 37 s
